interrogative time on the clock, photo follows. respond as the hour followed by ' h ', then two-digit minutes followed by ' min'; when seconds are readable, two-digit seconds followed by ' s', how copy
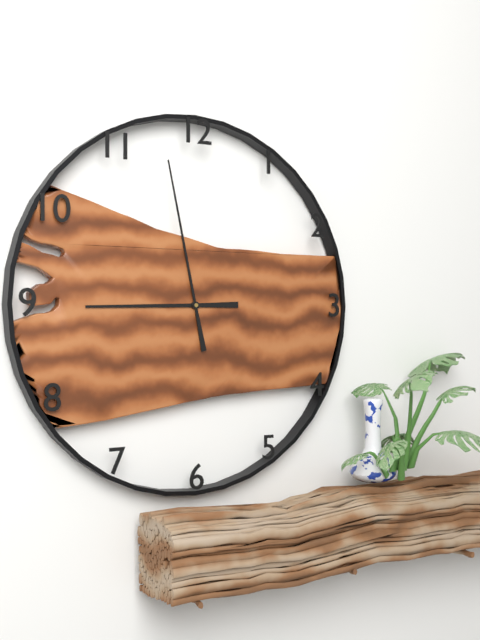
8 h 58 min
